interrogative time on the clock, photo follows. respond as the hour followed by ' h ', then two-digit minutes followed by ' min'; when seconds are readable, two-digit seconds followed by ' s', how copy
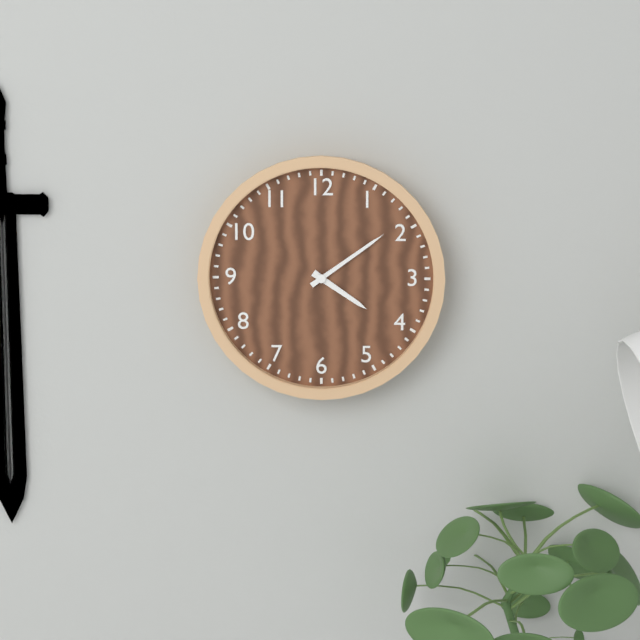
4 h 09 min
